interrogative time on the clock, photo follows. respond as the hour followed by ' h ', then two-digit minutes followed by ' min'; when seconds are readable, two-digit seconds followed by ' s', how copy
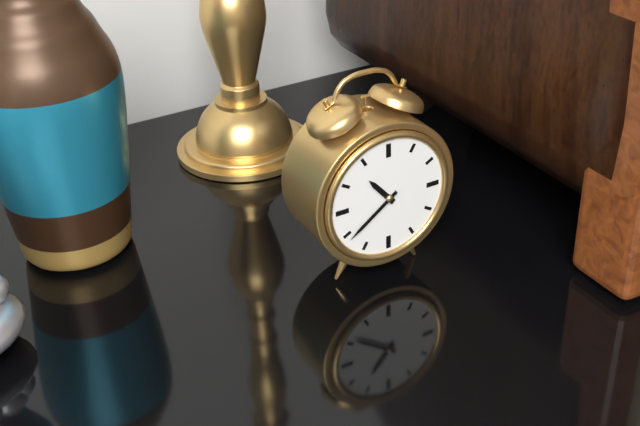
10 h 39 min
